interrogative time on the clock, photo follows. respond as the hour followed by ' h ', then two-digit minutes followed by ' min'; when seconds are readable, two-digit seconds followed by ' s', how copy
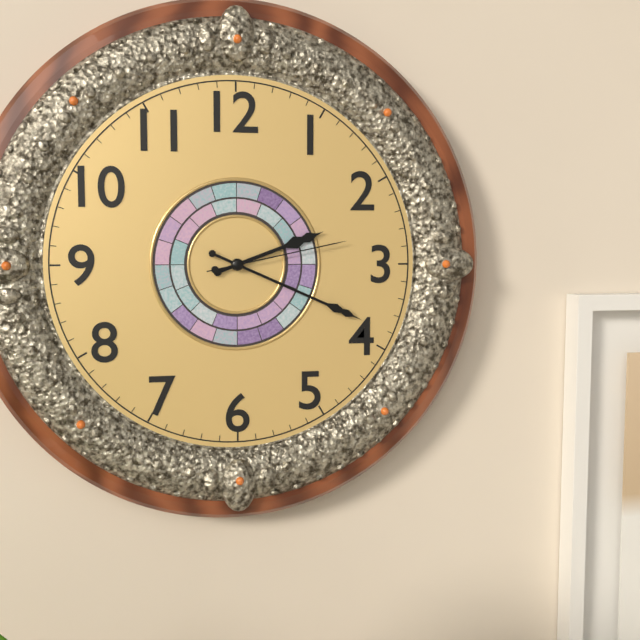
2 h 19 min 13 s
